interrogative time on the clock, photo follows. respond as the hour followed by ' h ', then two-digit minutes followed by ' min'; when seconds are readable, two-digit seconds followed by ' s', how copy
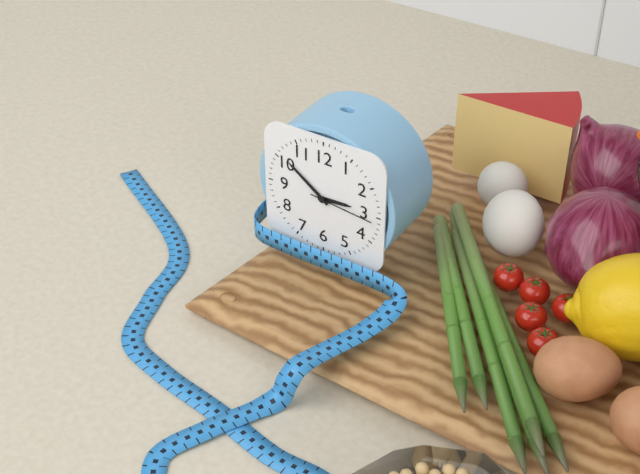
2 h 51 min 16 s
